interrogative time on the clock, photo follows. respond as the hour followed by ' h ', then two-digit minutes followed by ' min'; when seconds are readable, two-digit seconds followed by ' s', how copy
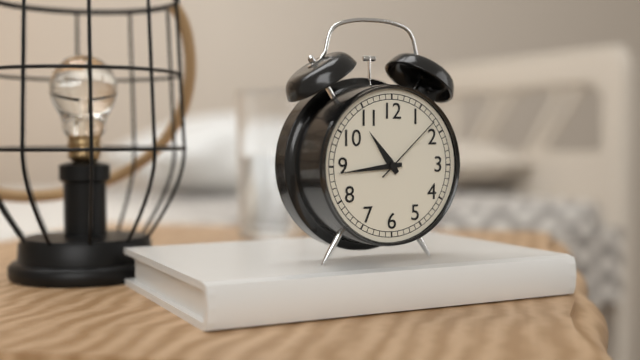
10 h 44 min 08 s
